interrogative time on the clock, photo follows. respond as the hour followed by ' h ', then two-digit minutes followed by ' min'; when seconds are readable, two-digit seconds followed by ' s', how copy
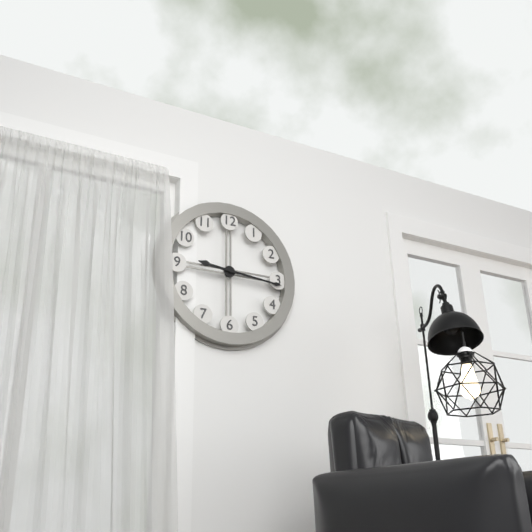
9 h 16 min
